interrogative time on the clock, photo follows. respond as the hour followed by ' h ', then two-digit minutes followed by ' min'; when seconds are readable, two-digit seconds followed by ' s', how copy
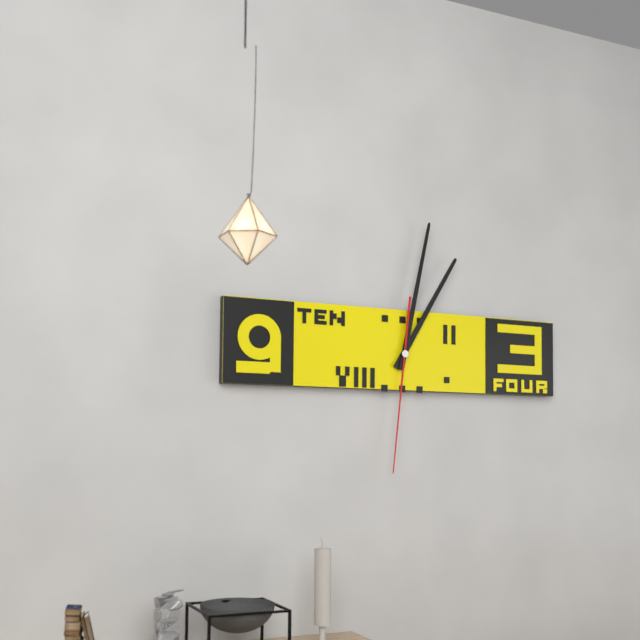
1 h 02 min 31 s
